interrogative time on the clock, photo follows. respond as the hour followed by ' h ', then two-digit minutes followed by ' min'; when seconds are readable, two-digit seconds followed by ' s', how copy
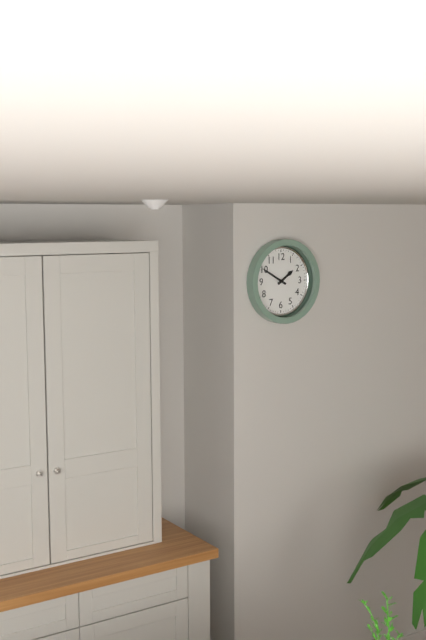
1 h 50 min
